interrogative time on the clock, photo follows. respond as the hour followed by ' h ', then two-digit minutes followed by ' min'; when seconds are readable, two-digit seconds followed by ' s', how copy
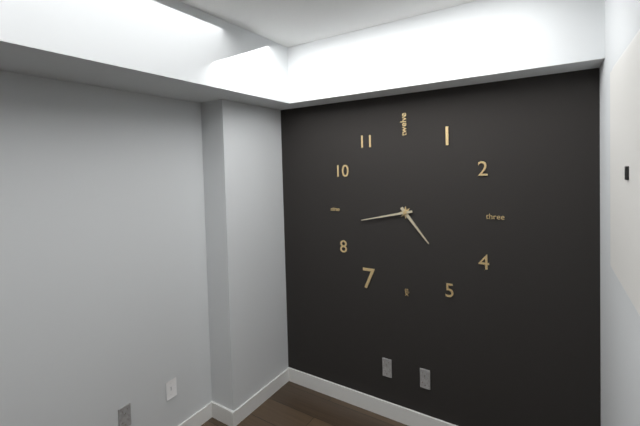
4 h 43 min
